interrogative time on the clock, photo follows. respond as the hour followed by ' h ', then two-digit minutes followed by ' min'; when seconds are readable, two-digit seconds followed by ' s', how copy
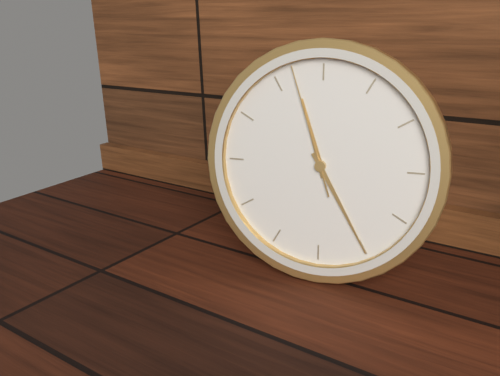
11 h 25 min 57 s
